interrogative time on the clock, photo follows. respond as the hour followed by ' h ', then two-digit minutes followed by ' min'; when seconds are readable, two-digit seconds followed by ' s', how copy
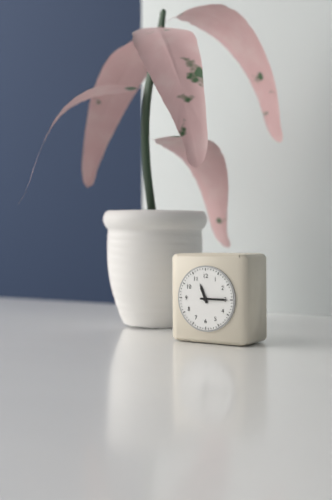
11 h 15 min
